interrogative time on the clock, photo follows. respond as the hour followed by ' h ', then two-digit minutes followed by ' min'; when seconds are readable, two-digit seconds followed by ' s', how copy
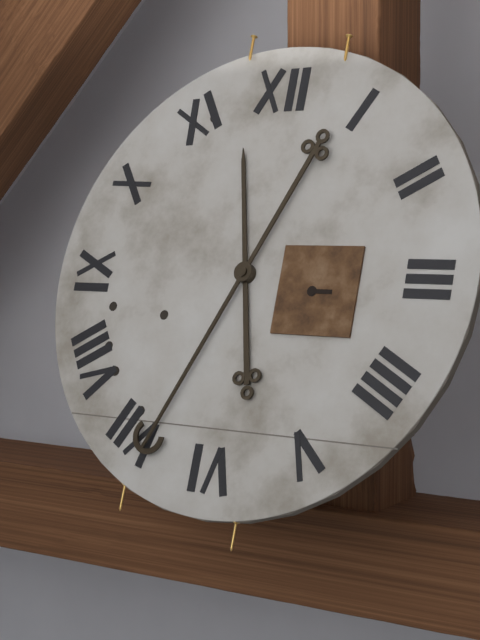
11 h 34 min
